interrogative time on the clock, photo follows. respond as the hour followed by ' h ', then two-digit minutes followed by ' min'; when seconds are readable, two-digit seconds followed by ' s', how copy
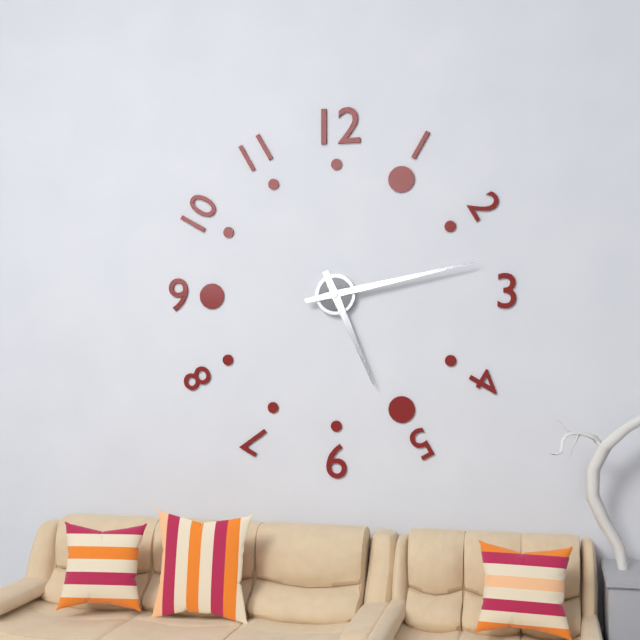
5 h 13 min
